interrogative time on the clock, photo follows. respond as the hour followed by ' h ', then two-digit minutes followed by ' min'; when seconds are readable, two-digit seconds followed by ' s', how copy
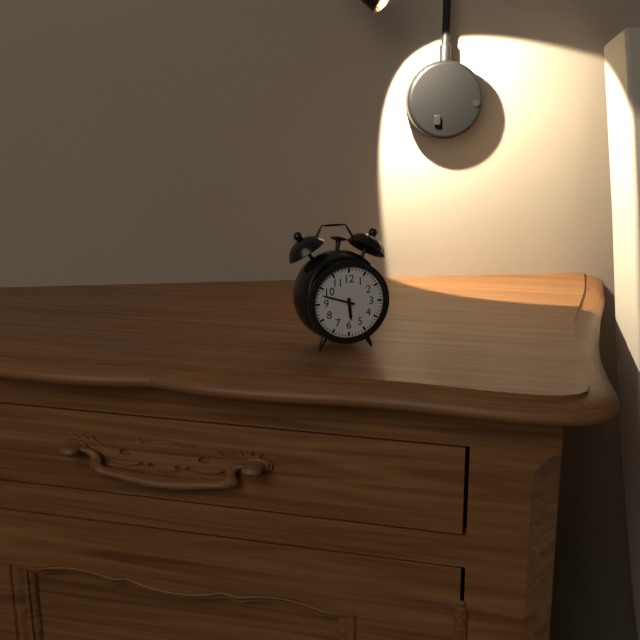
5 h 48 min
